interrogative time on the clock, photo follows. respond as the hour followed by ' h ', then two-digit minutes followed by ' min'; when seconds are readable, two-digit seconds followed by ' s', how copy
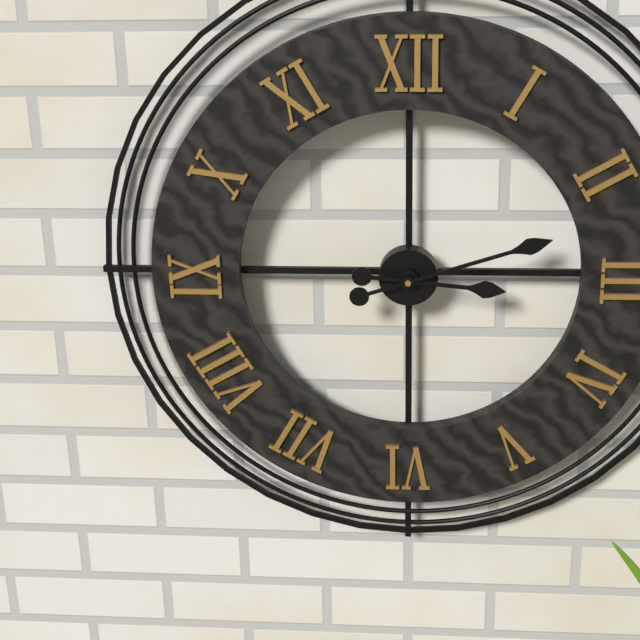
3 h 12 min
